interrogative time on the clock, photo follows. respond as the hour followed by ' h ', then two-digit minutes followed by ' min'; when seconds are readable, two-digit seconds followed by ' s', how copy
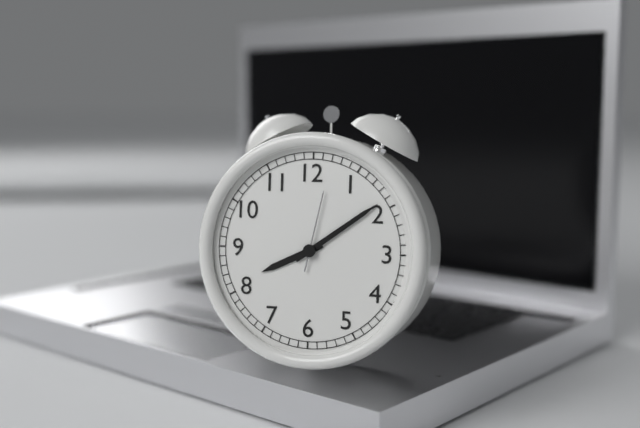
8 h 09 min 02 s
